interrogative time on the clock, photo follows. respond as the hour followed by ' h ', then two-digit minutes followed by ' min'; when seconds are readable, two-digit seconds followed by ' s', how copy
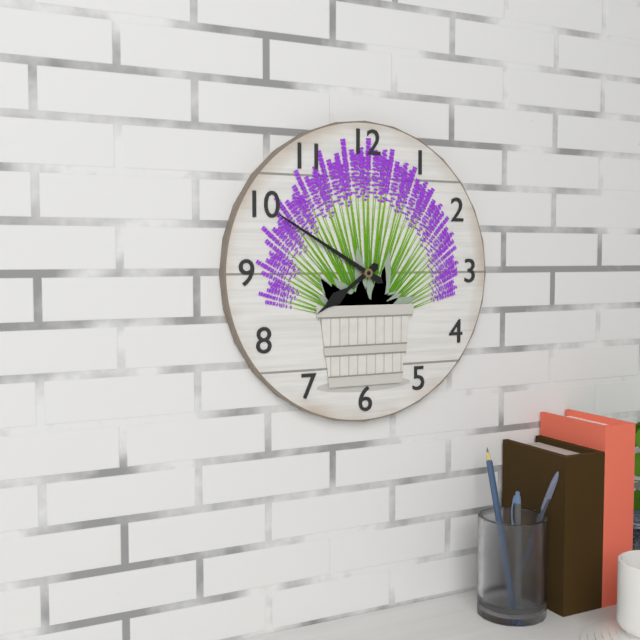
7 h 50 min
